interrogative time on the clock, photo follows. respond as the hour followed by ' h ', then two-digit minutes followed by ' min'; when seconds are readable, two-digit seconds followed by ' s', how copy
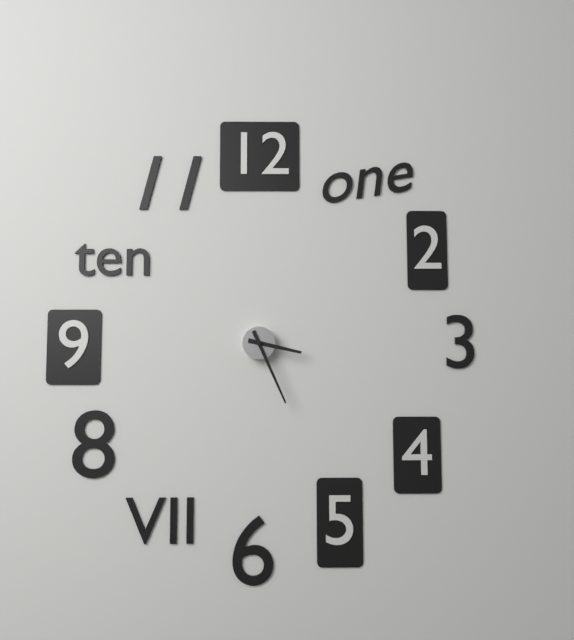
3 h 26 min
